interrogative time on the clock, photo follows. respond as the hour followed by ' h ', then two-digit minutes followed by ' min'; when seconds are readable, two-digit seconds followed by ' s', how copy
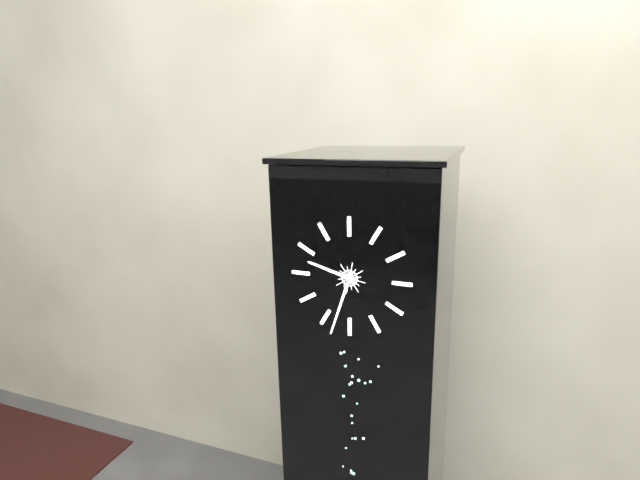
9 h 33 min
